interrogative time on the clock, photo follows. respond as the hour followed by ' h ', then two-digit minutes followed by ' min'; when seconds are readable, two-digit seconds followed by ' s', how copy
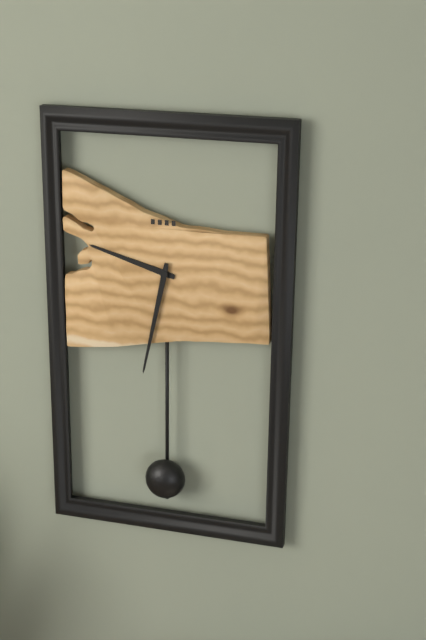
9 h 32 min
